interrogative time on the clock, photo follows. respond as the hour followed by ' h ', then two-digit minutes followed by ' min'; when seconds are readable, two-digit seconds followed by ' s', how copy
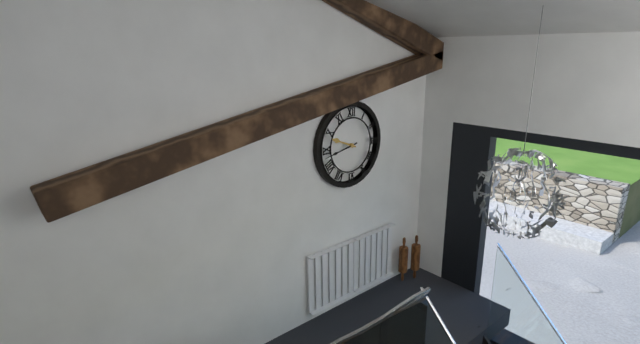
9 h 43 min
